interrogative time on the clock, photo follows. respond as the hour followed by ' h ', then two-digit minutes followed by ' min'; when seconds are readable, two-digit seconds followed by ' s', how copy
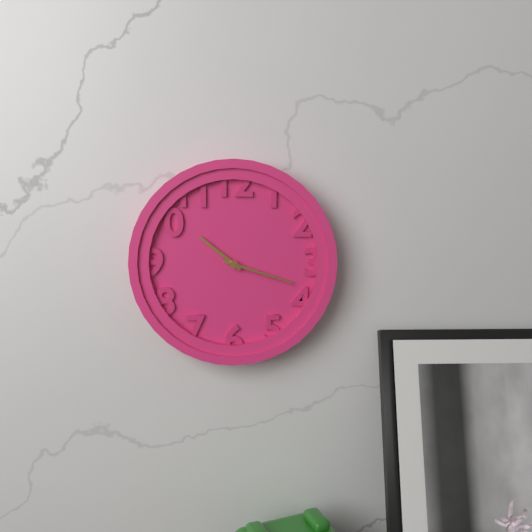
10 h 18 min
